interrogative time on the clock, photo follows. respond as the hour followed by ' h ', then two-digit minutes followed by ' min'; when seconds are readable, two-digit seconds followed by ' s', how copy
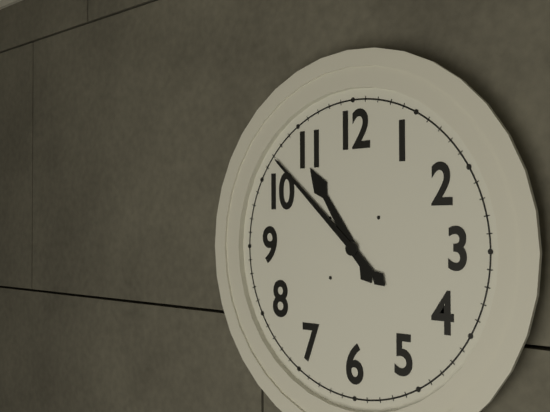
10 h 52 min
